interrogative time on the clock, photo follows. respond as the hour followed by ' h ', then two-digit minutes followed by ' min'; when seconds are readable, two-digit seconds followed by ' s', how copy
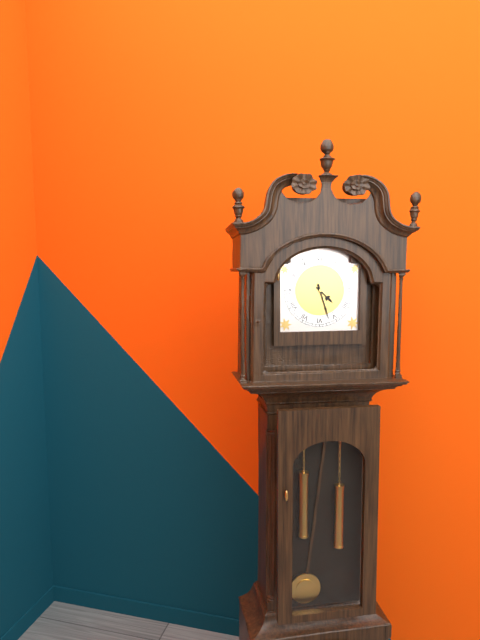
4 h 27 min
